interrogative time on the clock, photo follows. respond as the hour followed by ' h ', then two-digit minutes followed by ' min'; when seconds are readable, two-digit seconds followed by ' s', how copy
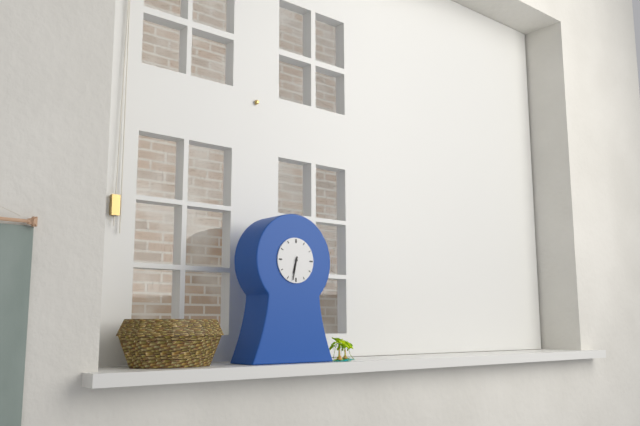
6 h 32 min
